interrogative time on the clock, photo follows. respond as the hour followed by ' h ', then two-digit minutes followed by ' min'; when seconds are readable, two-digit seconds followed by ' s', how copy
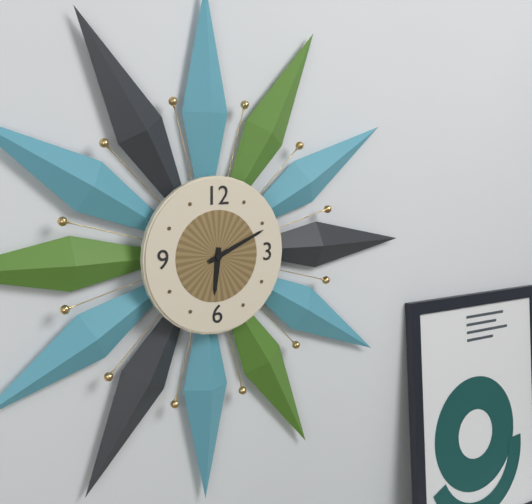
6 h 11 min
